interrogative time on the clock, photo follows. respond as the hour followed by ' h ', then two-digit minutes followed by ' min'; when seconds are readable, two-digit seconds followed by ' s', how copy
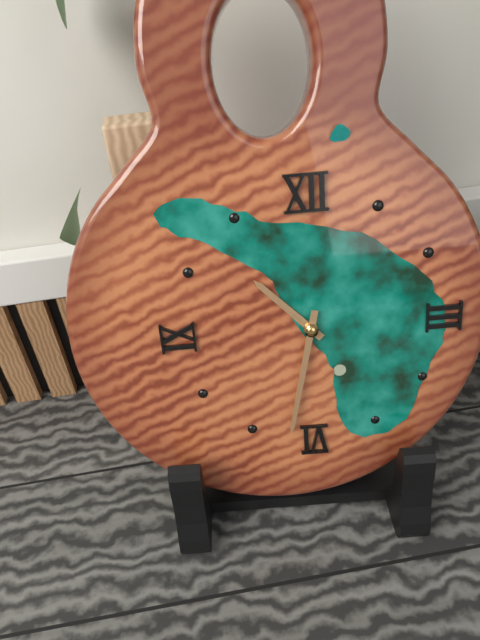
10 h 32 min
